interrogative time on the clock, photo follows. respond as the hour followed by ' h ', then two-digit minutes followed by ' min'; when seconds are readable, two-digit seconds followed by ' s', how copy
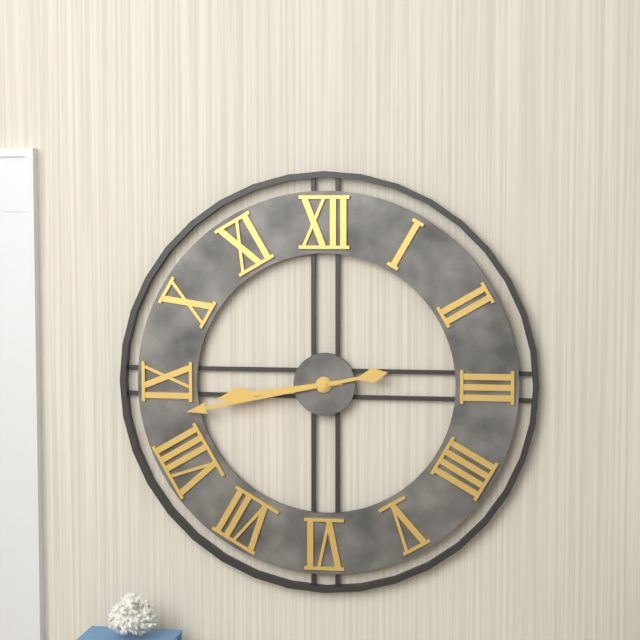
8 h 43 min
